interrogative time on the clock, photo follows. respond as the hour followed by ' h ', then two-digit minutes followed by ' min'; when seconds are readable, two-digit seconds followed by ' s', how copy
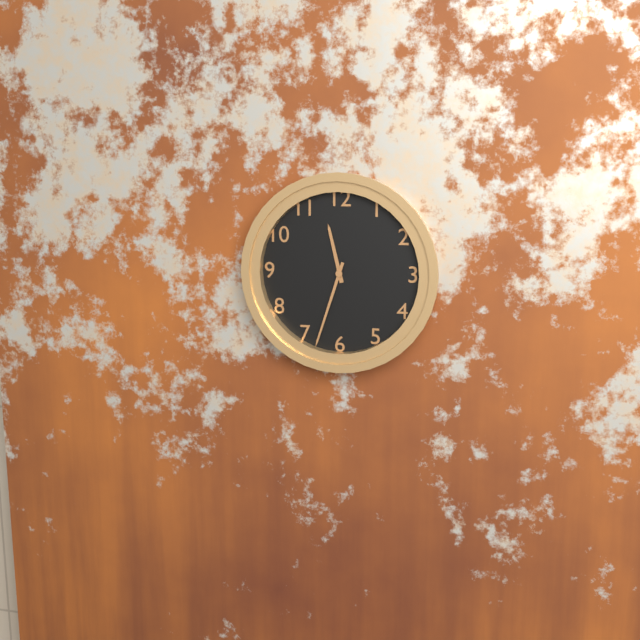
11 h 33 min
